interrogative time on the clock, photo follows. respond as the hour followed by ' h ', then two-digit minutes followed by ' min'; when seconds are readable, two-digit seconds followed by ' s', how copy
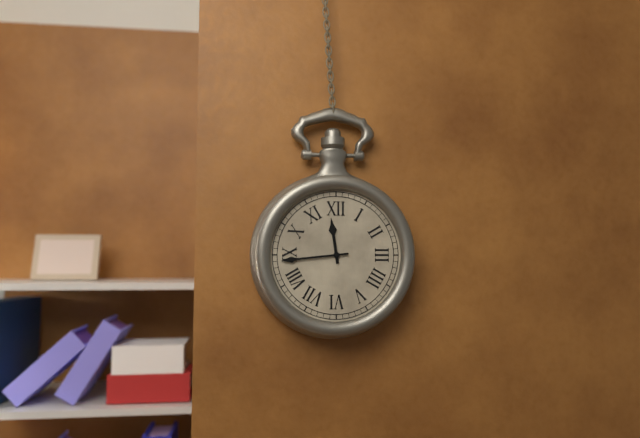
11 h 44 min
